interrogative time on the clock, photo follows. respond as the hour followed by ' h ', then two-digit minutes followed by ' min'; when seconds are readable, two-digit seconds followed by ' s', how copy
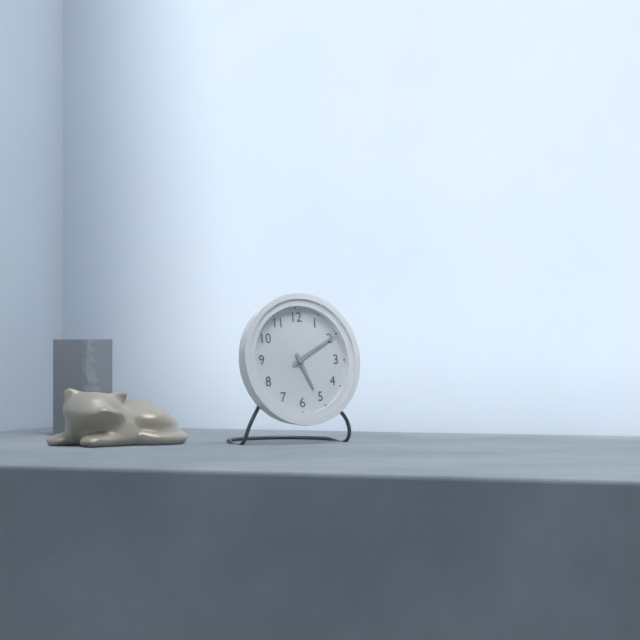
5 h 10 min
